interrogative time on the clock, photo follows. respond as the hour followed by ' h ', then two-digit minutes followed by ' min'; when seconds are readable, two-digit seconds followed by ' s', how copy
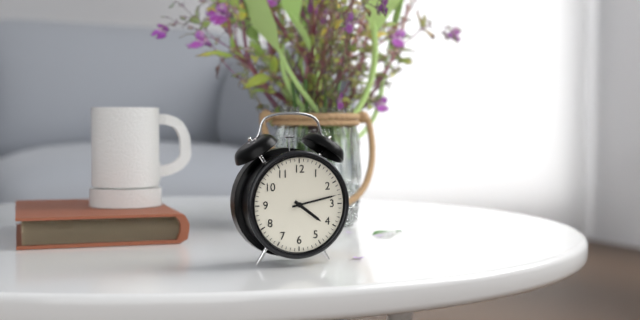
4 h 13 min
